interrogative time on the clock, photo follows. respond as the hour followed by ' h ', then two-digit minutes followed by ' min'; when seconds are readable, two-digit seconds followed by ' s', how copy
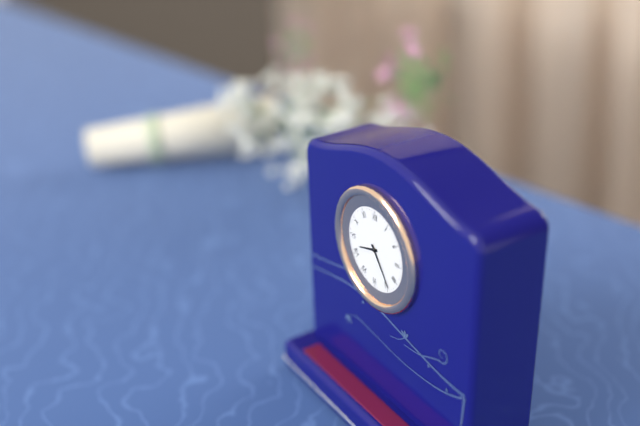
8 h 24 min
